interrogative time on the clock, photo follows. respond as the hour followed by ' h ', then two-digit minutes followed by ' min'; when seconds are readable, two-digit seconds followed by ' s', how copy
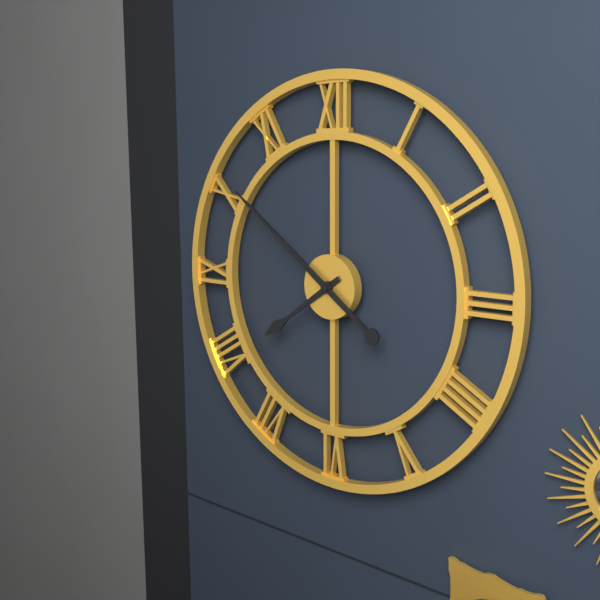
7 h 51 min
